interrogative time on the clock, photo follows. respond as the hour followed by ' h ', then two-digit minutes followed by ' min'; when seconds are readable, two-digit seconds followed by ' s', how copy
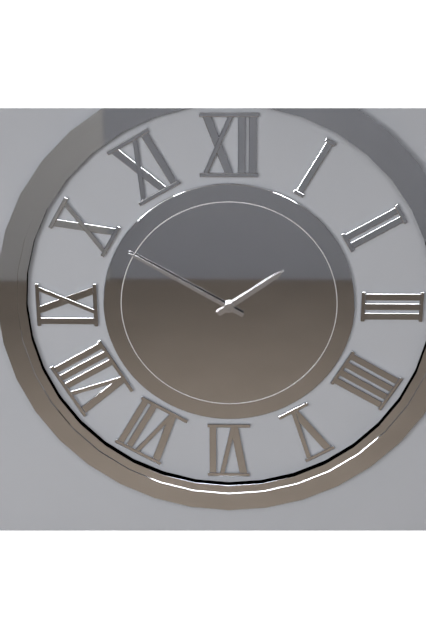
1 h 50 min
